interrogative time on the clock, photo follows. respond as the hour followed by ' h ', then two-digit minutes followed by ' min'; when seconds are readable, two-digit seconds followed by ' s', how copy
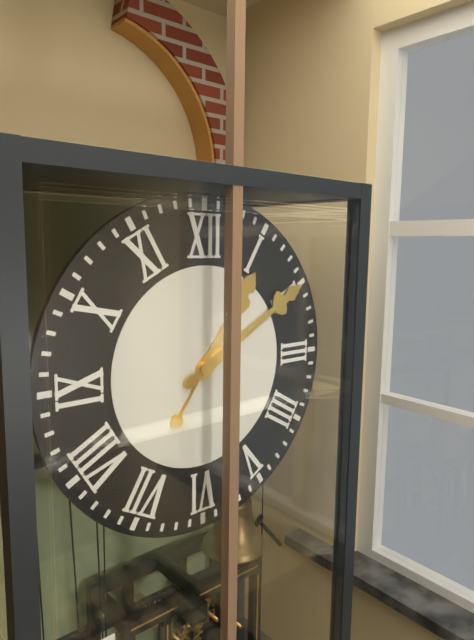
1 h 10 min
